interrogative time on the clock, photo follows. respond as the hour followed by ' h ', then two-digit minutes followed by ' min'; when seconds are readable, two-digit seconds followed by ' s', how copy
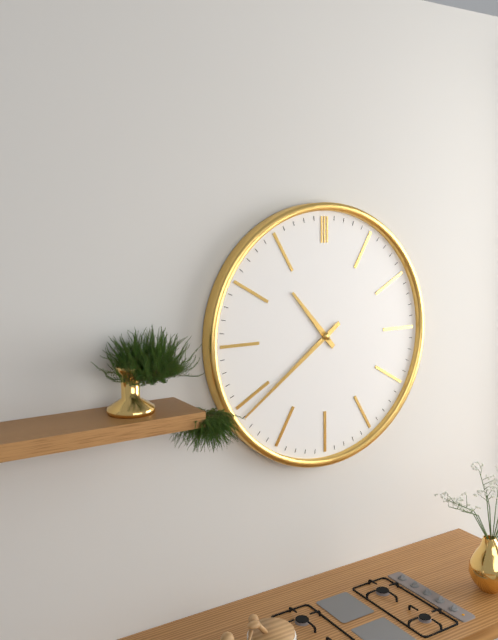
10 h 39 min
